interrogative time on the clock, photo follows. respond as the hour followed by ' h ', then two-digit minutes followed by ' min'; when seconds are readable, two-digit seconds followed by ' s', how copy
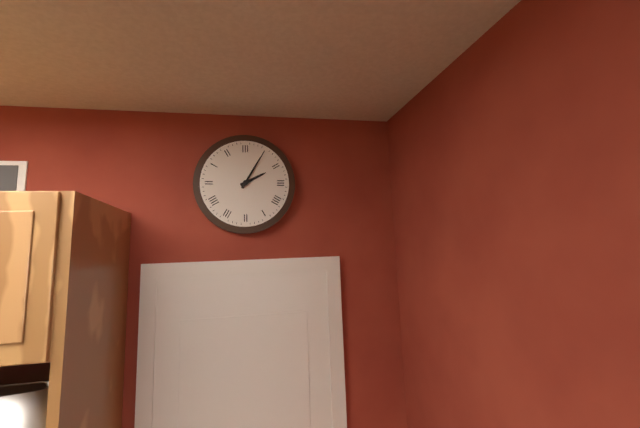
2 h 05 min
